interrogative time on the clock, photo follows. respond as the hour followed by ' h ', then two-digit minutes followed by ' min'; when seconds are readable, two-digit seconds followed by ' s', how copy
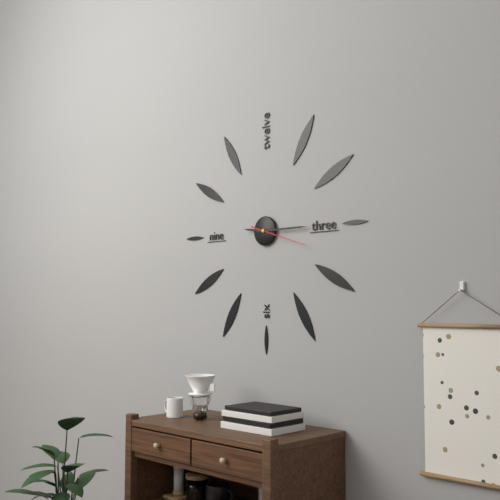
9 h 15 min 18 s
